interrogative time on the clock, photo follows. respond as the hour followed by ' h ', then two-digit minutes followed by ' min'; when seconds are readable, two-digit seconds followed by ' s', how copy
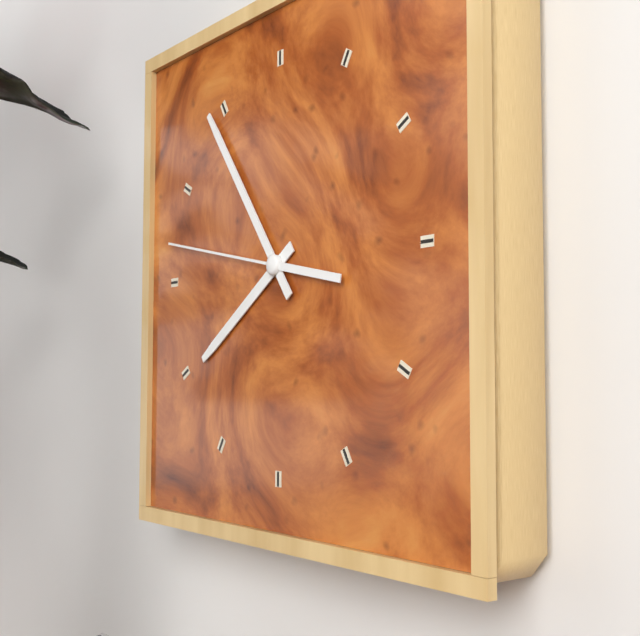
7 h 54 min 47 s
